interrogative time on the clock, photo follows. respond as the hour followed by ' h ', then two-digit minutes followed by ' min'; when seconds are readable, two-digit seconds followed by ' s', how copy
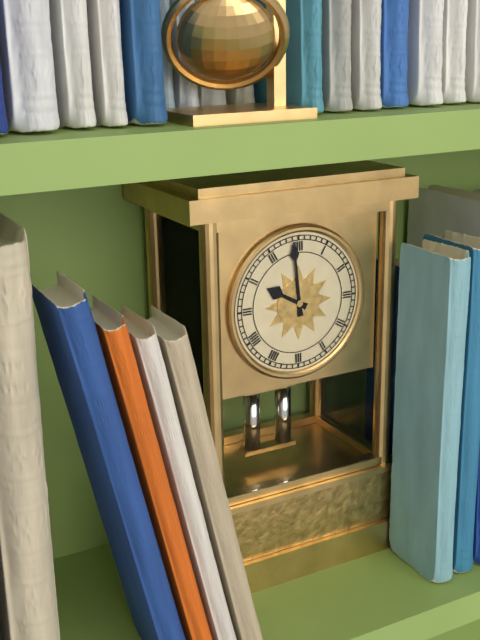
9 h 59 min
